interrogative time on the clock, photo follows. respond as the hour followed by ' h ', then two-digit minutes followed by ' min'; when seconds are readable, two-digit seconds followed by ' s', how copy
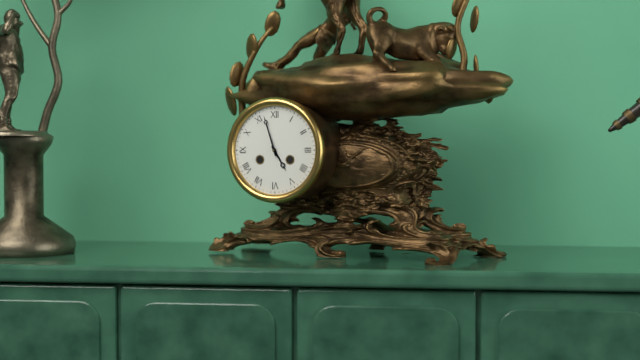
4 h 57 min
